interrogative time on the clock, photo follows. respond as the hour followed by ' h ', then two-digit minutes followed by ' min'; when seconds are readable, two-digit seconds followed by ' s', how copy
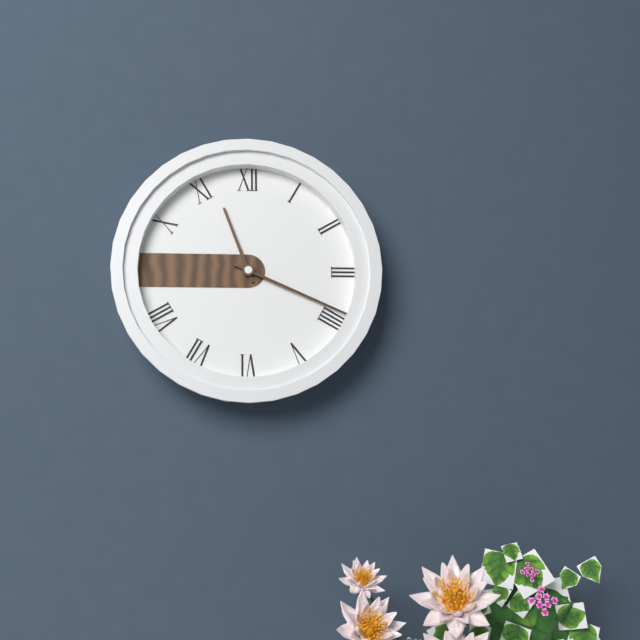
11 h 19 min
